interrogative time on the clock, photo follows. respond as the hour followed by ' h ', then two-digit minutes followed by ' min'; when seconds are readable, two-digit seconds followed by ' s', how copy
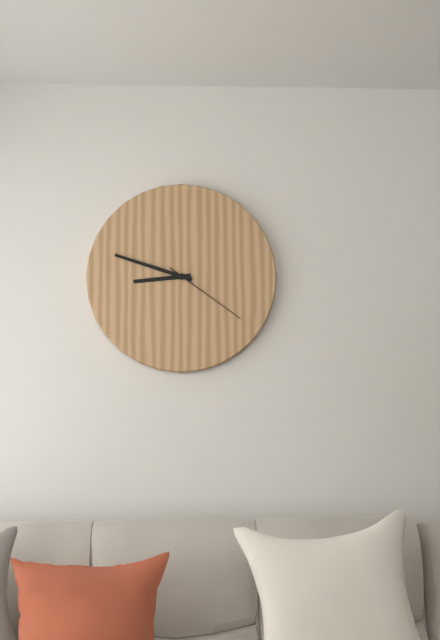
8 h 48 min 21 s
